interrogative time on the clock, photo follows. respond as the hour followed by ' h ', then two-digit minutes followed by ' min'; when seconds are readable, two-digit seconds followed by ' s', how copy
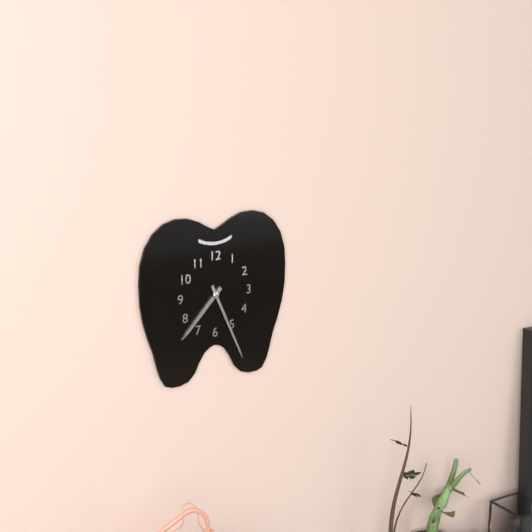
7 h 26 min
